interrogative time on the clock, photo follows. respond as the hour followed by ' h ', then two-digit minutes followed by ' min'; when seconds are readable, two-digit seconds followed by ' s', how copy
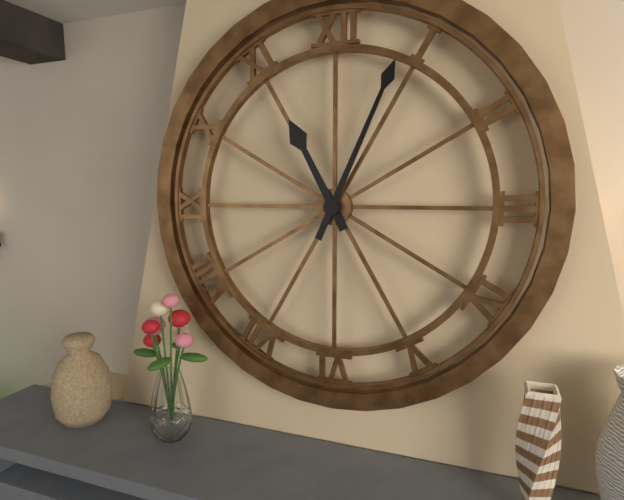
11 h 04 min
